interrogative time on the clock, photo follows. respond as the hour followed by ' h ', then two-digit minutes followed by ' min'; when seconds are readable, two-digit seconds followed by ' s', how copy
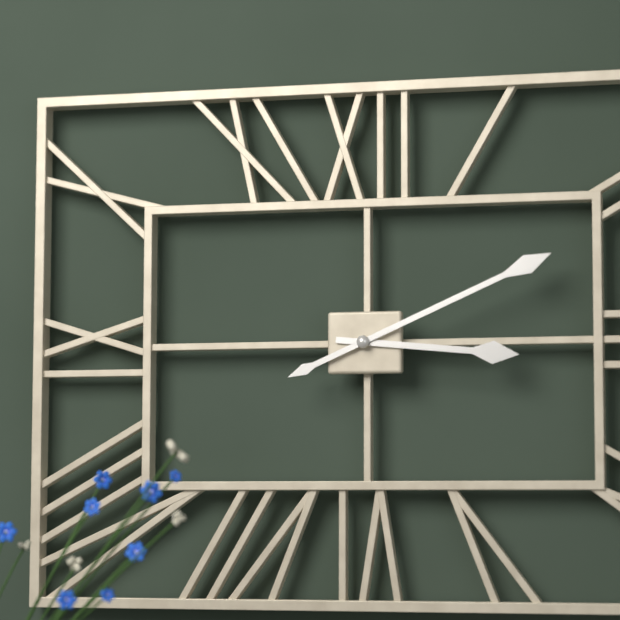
3 h 11 min
